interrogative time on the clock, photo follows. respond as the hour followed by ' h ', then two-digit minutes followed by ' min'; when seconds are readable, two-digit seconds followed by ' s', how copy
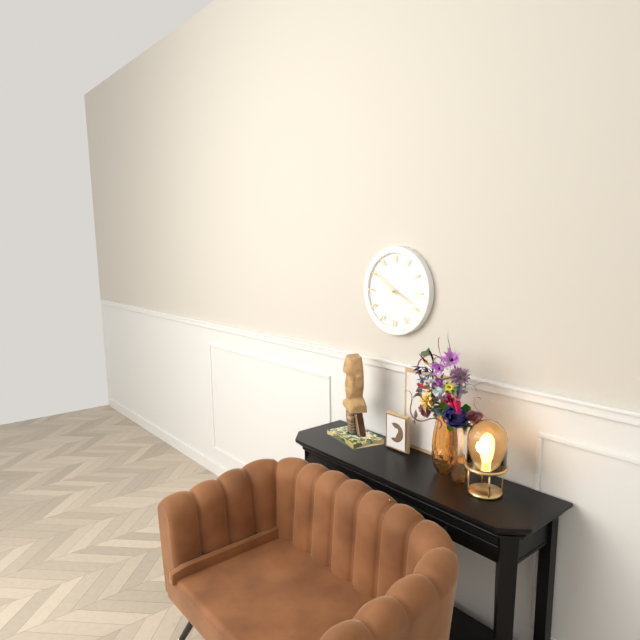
3 h 51 min
